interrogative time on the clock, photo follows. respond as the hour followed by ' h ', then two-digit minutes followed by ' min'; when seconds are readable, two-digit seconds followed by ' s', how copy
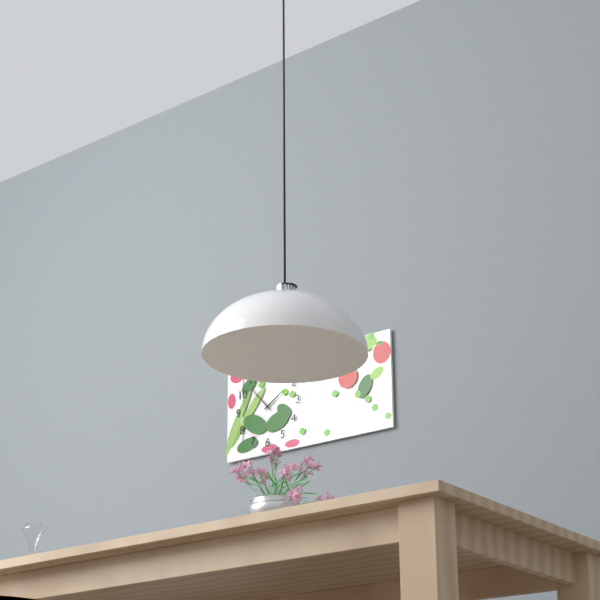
1 h 53 min
